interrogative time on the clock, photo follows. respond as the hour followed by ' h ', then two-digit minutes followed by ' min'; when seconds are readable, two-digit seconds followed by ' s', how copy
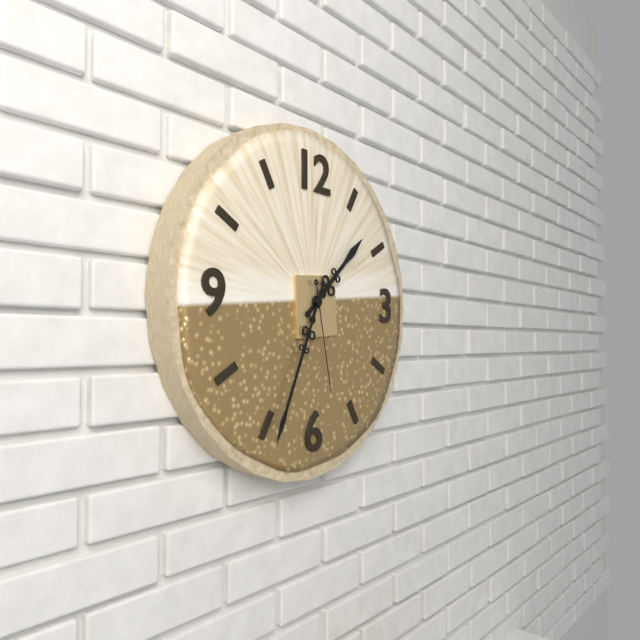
1 h 34 min 28 s
